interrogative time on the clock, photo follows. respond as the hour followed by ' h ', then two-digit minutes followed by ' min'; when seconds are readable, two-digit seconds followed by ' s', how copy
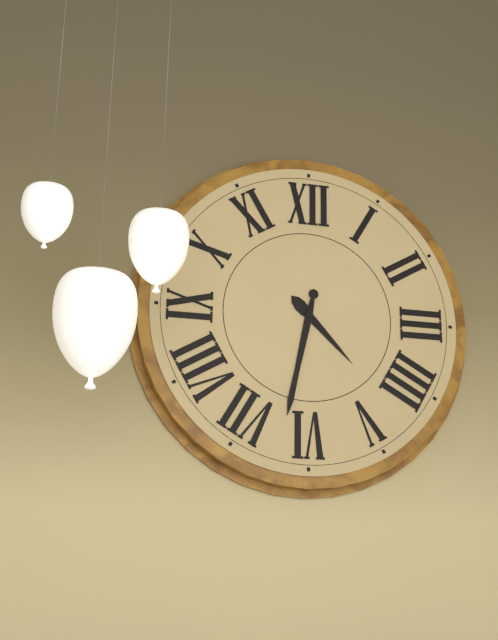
4 h 32 min
